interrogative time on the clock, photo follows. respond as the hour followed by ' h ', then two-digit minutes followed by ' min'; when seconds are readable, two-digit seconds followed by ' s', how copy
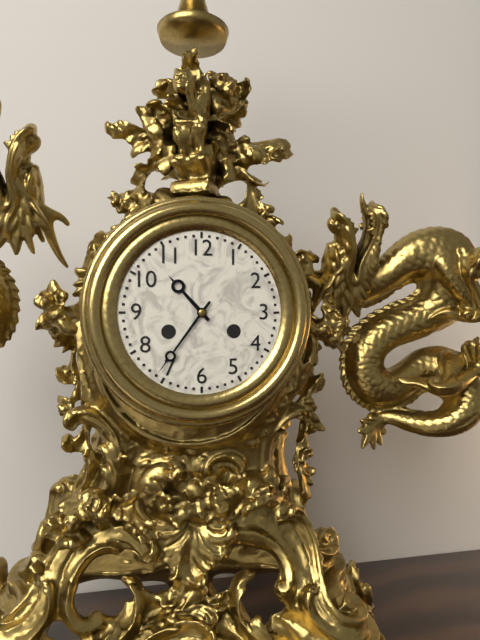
10 h 36 min
